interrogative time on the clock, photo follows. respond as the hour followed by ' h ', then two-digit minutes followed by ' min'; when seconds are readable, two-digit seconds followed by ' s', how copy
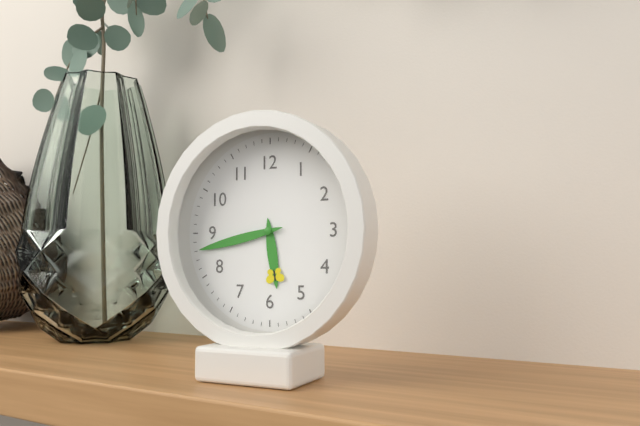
5 h 43 min
